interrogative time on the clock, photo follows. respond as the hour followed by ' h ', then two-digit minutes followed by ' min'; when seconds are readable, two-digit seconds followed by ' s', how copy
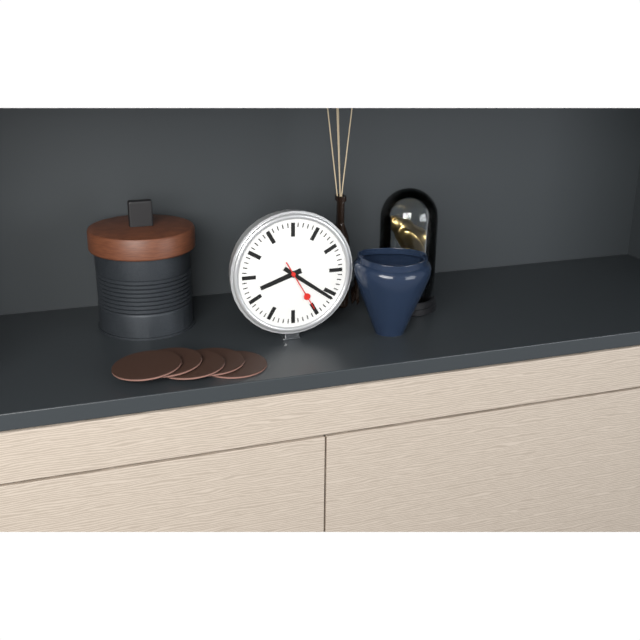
8 h 21 min 25 s
